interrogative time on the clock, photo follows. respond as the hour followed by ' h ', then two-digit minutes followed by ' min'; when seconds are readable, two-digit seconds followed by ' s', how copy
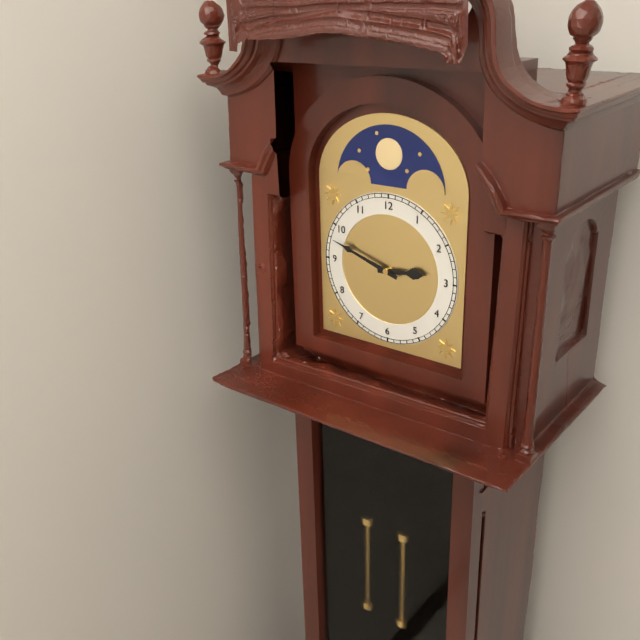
2 h 48 min
